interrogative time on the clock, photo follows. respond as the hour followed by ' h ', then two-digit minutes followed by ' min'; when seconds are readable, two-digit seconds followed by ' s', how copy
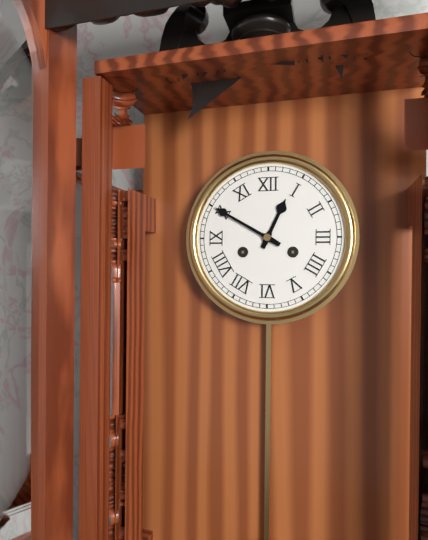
12 h 50 min
